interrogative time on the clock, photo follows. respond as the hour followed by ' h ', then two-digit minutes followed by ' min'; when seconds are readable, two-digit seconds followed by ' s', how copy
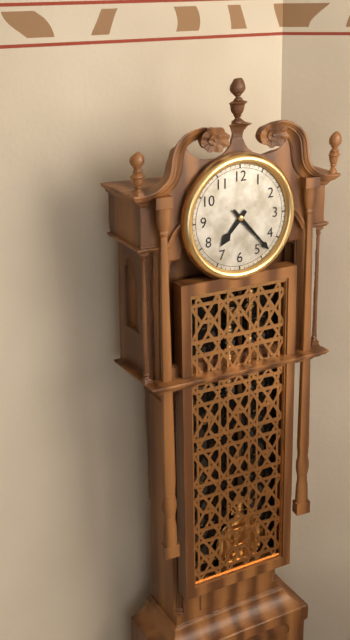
7 h 23 min
